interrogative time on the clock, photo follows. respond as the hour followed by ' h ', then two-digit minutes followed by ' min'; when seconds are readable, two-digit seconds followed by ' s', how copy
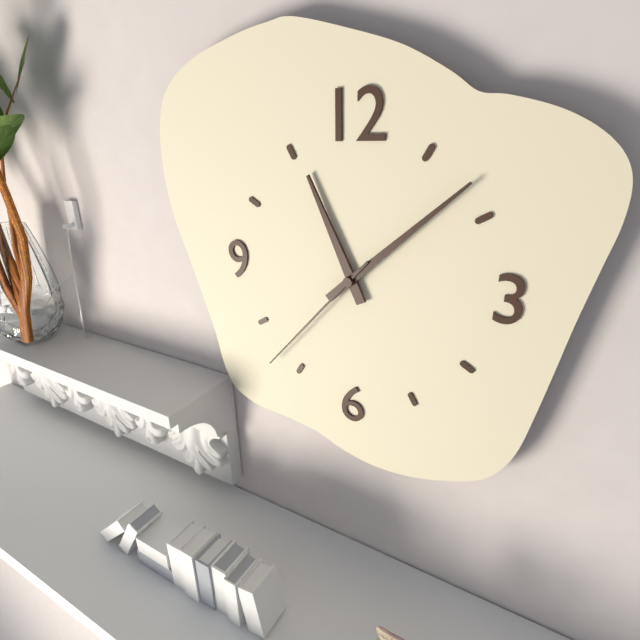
11 h 08 min 37 s
